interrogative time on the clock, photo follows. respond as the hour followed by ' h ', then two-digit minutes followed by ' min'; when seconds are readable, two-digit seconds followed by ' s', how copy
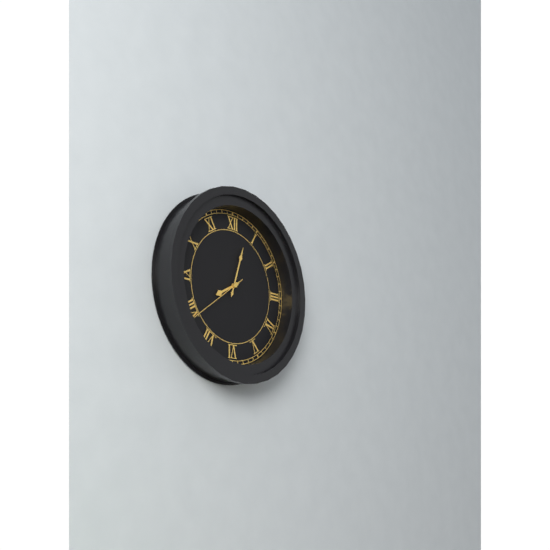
8 h 03 min 39 s
